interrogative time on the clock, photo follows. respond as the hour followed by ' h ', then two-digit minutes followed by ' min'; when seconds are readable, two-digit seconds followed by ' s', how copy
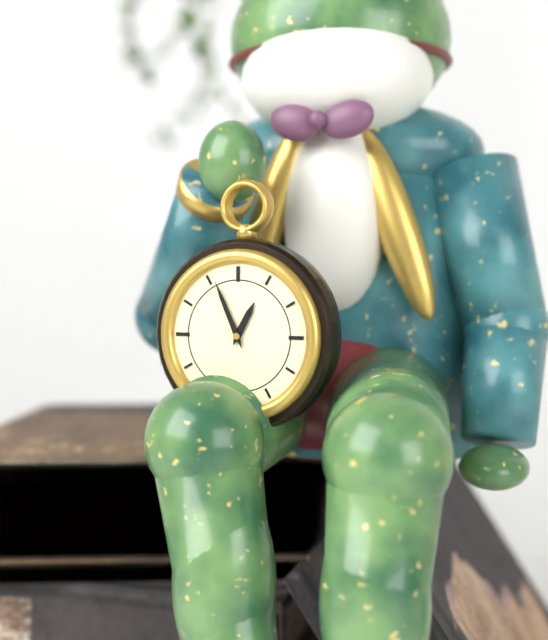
12 h 56 min
